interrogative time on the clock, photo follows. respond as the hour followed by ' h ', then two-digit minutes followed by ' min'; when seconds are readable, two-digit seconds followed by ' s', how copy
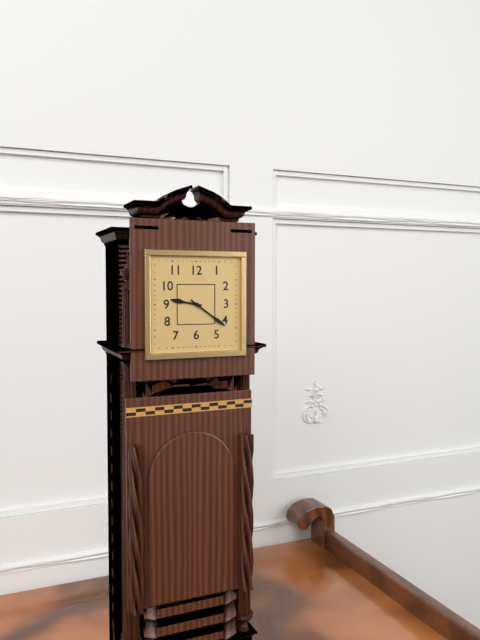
9 h 21 min
